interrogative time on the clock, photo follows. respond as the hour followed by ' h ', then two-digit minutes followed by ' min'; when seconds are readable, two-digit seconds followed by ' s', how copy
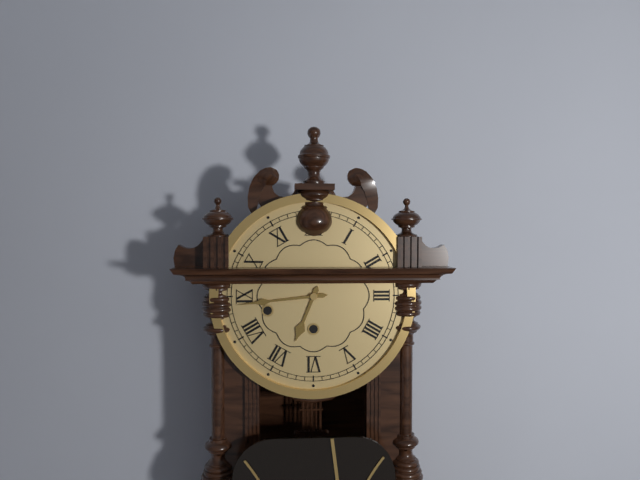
6 h 44 min
